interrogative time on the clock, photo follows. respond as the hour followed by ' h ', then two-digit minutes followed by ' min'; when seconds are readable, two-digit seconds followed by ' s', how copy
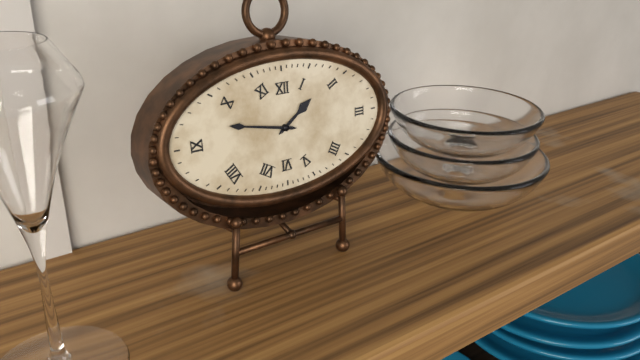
1 h 47 min
